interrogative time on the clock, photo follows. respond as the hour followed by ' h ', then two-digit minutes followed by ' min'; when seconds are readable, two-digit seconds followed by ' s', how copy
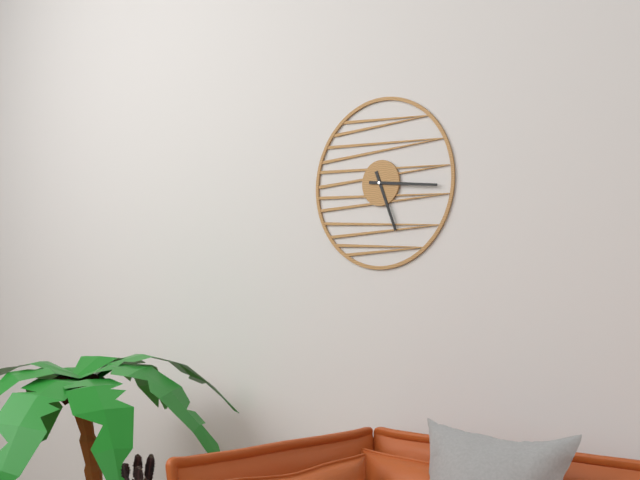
5 h 16 min
